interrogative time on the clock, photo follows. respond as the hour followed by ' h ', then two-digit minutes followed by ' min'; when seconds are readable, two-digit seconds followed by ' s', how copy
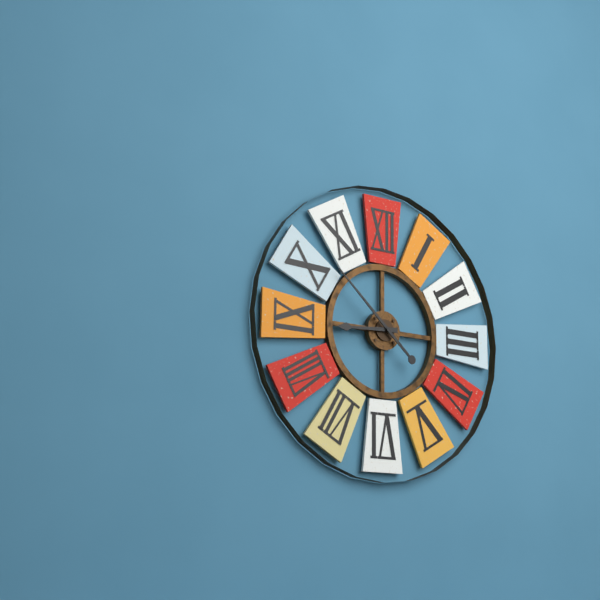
8 h 52 min
